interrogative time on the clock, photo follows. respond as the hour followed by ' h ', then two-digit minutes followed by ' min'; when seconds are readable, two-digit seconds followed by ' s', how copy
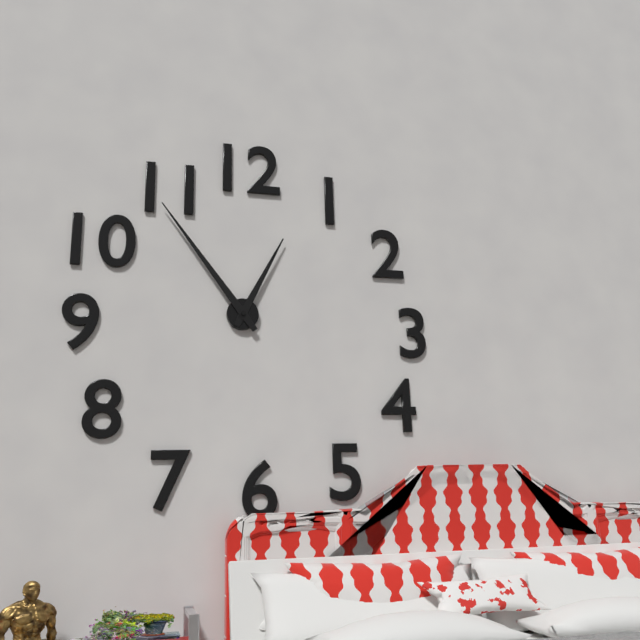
12 h 54 min
